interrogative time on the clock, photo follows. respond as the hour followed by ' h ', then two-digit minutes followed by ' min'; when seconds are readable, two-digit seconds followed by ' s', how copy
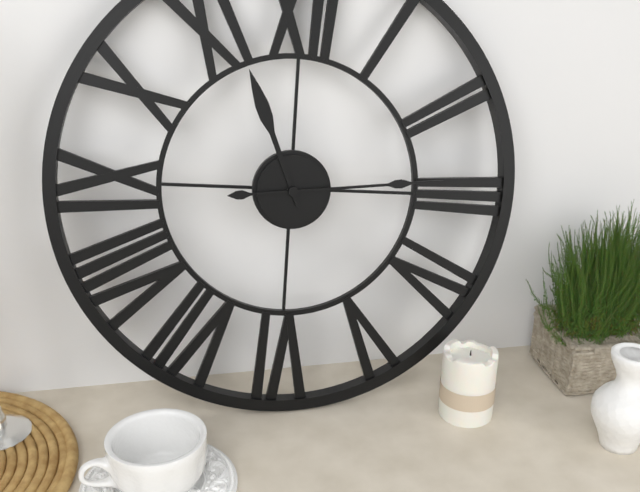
11 h 14 min
